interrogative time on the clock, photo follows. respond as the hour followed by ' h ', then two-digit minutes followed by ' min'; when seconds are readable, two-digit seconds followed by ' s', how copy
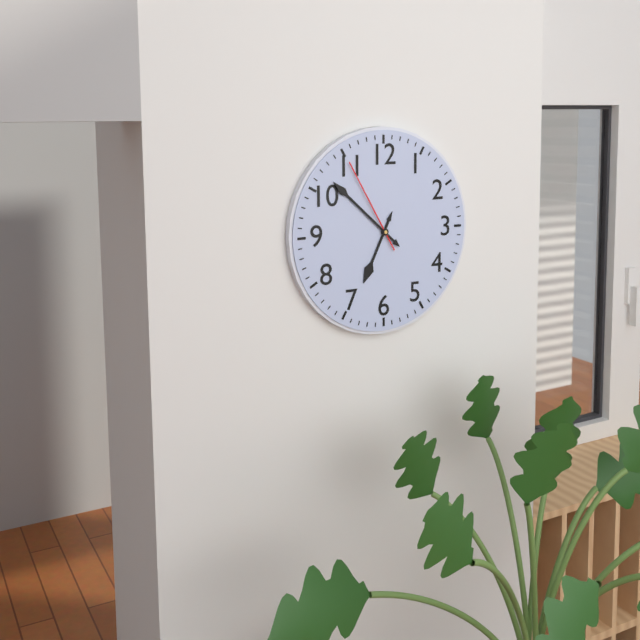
6 h 52 min 55 s
